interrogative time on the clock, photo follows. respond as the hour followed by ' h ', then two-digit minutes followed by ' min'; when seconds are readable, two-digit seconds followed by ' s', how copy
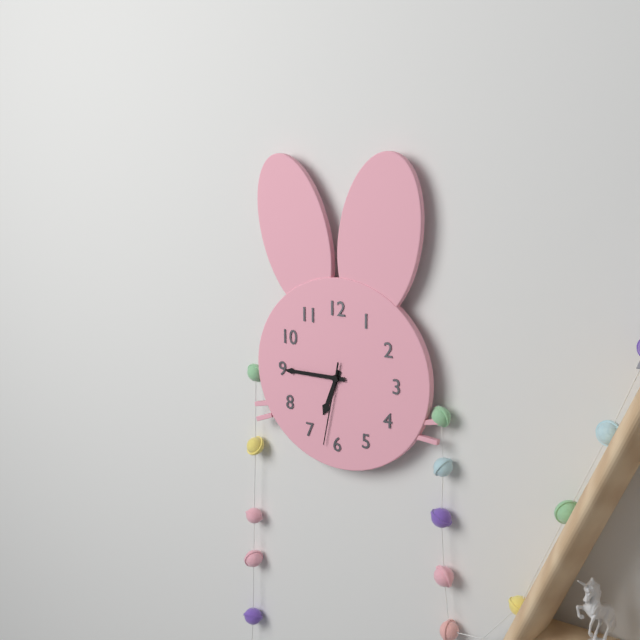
6 h 45 min 32 s
